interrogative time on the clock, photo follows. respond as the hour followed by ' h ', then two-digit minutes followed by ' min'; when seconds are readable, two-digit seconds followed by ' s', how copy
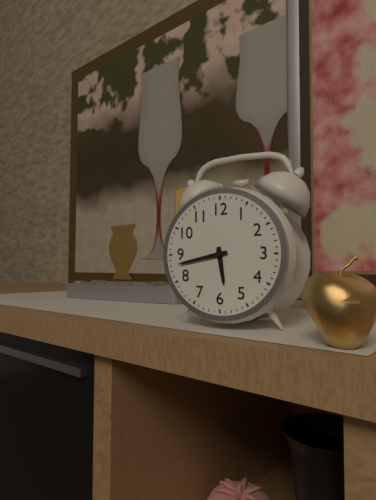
5 h 43 min
